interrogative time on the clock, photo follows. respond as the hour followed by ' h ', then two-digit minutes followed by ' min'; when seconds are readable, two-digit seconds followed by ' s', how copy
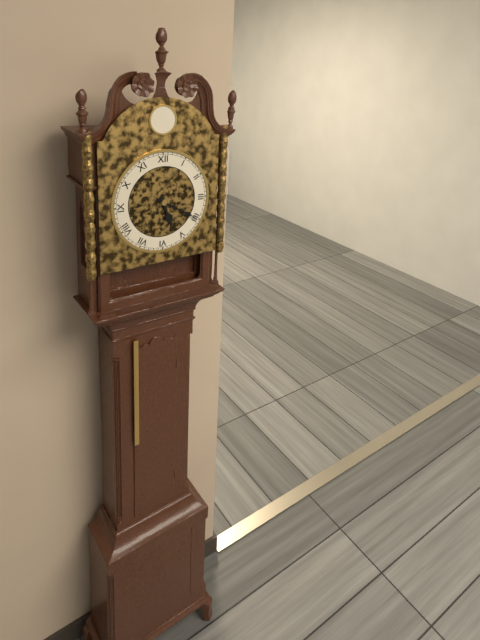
5 h 20 min
